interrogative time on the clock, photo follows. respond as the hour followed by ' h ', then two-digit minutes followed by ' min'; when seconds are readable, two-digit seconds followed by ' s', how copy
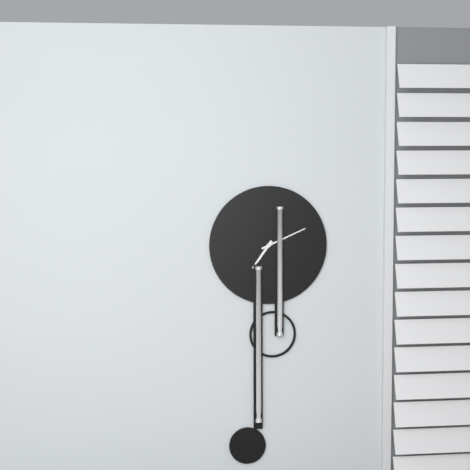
7 h 11 min
